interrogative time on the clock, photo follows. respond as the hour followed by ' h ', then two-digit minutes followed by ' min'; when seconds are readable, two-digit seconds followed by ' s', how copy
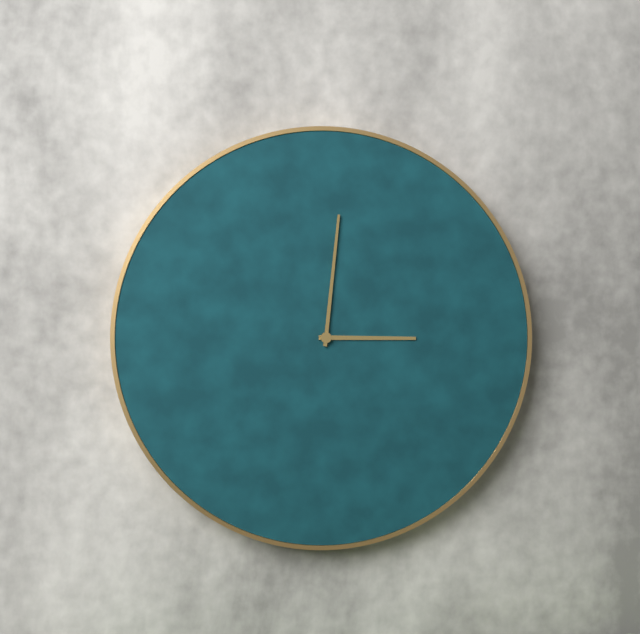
3 h 01 min
